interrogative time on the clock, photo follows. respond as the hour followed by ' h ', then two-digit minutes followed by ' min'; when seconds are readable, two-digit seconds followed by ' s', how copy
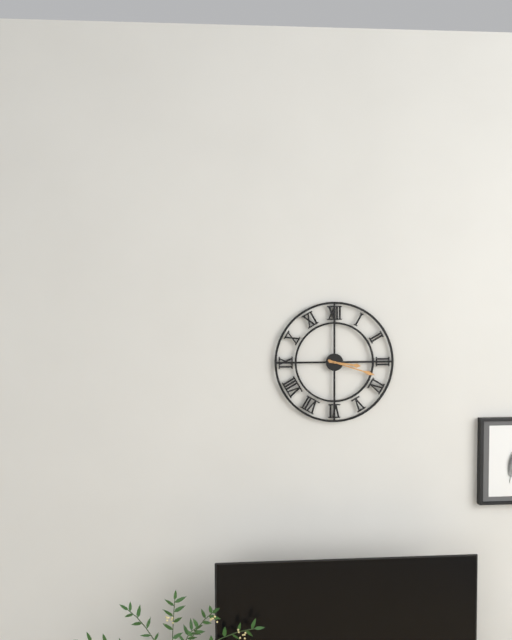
3 h 18 min
